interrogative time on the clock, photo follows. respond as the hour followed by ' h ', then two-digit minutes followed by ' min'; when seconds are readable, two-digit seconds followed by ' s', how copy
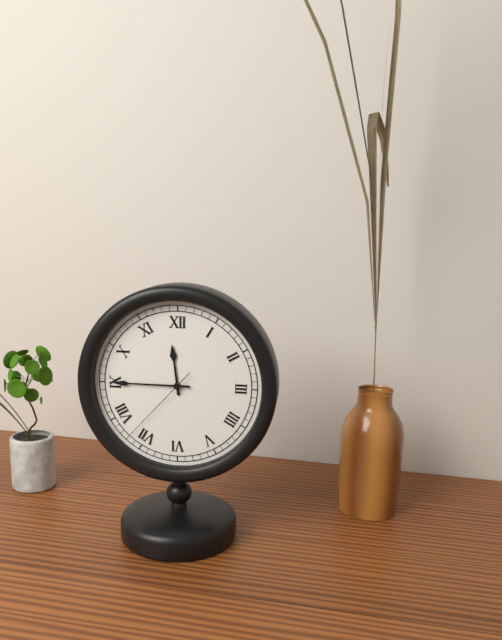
11 h 45 min 37 s
